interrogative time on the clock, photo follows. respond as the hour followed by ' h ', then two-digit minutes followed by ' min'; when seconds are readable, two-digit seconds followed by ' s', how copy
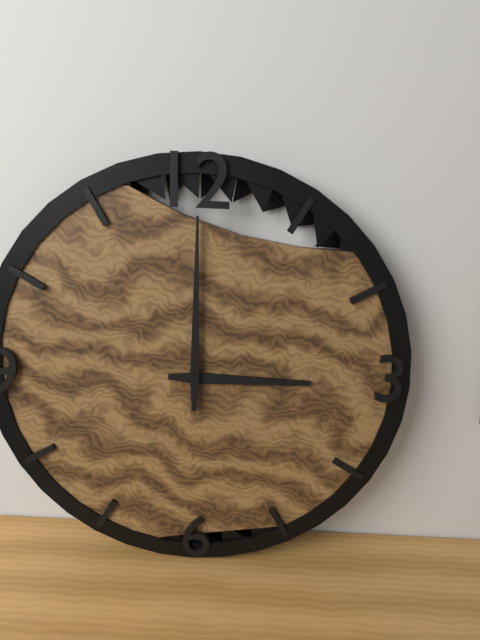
3 h 00 min
